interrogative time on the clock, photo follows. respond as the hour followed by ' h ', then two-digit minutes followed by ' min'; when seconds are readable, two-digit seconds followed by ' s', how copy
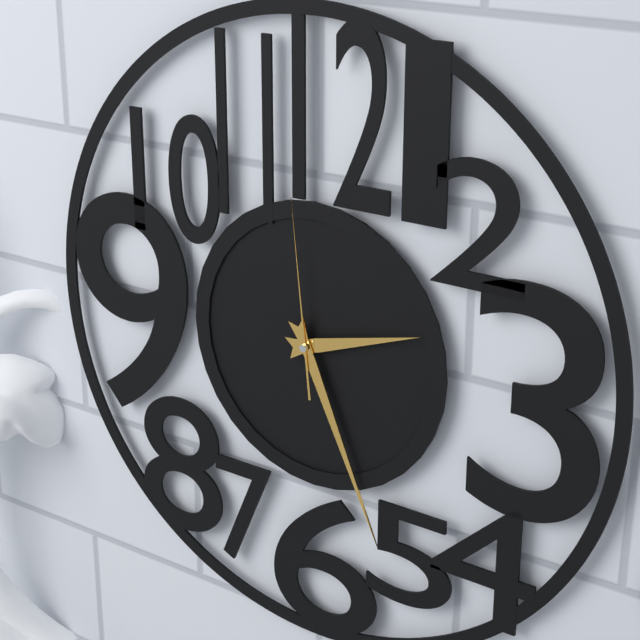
2 h 26 min 59 s
